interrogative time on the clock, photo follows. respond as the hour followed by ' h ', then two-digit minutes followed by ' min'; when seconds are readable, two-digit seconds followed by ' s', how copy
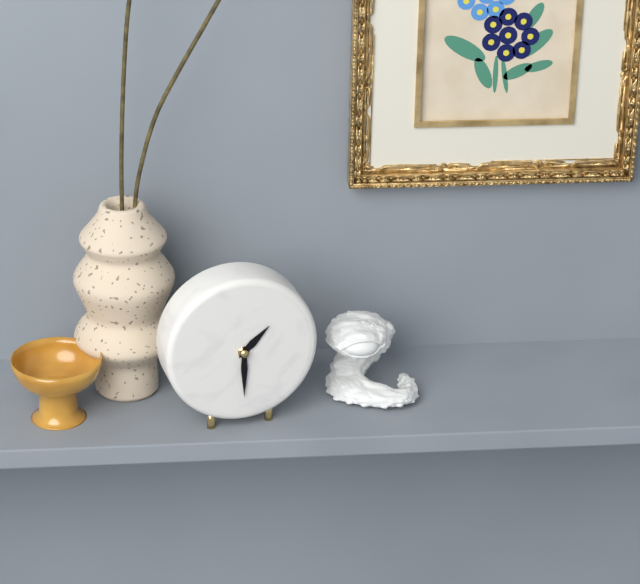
1 h 30 min
